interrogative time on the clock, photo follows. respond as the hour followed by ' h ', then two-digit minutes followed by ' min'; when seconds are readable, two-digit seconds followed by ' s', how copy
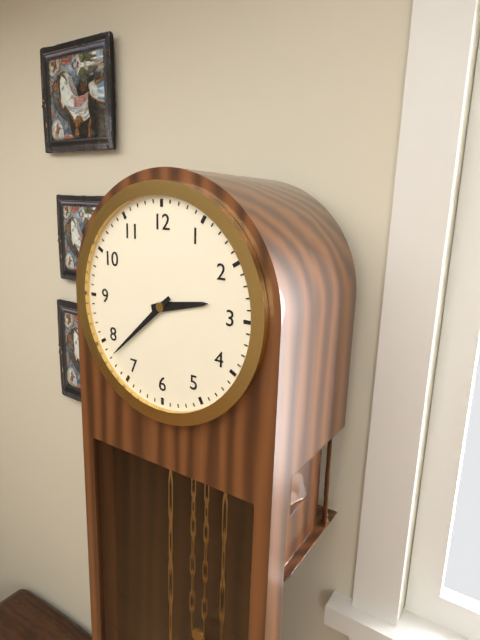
2 h 38 min
